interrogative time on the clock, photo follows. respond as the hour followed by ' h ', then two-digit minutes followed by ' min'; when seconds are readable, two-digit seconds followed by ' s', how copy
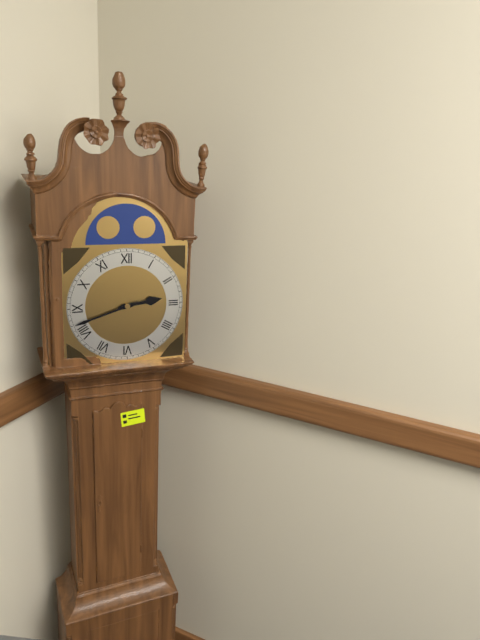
2 h 42 min
